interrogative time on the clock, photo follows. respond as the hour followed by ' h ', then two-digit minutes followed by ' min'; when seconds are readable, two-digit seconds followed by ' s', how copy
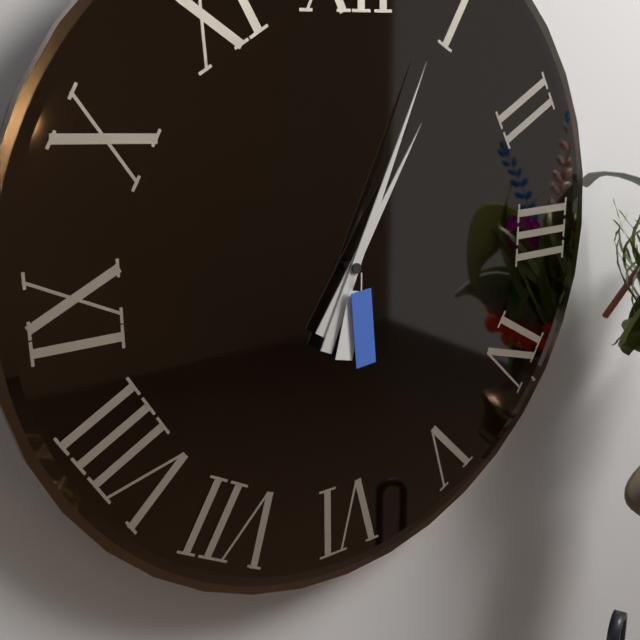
1 h 04 min
